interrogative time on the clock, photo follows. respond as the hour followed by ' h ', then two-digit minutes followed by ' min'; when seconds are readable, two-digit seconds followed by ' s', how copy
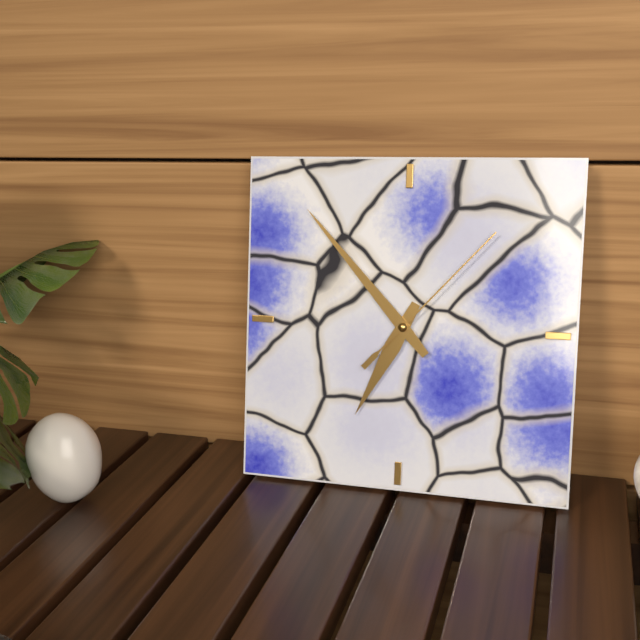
6 h 53 min 07 s
